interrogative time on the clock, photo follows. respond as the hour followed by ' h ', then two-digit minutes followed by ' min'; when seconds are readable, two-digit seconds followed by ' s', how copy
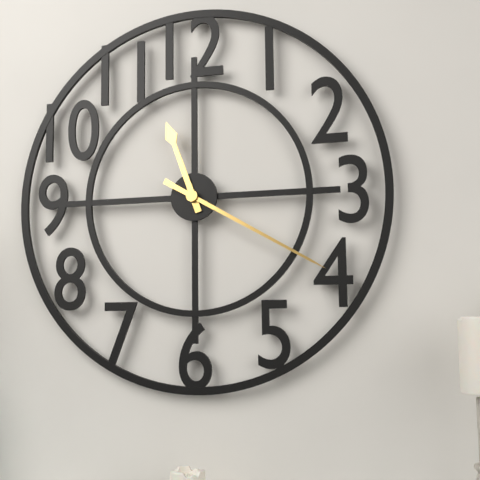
11 h 20 min
